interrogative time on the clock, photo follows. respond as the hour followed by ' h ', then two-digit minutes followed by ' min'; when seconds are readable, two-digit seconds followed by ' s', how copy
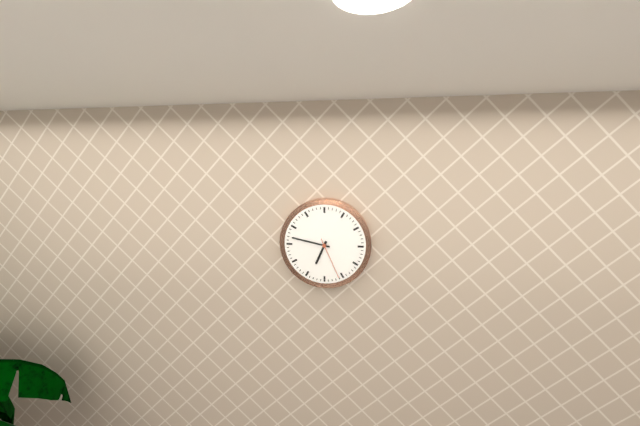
6 h 47 min
